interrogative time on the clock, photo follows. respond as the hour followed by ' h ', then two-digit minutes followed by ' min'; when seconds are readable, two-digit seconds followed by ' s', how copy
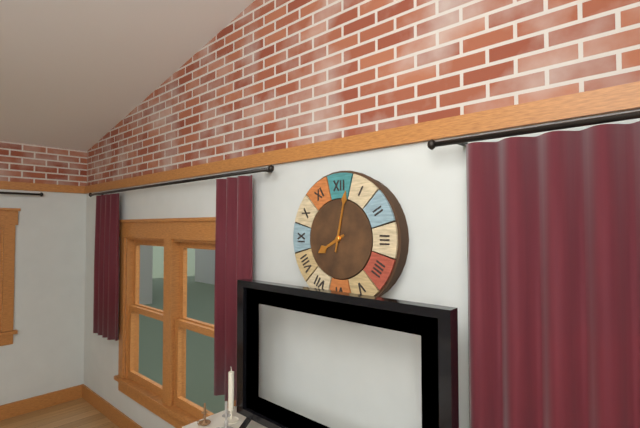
8 h 02 min
